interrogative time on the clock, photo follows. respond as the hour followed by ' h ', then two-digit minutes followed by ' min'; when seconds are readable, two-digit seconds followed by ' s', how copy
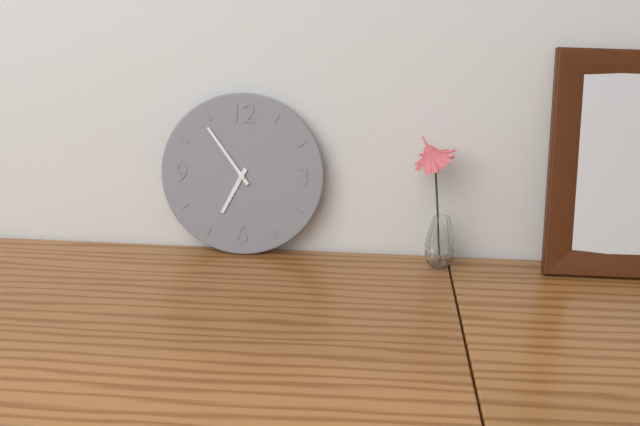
6 h 54 min
